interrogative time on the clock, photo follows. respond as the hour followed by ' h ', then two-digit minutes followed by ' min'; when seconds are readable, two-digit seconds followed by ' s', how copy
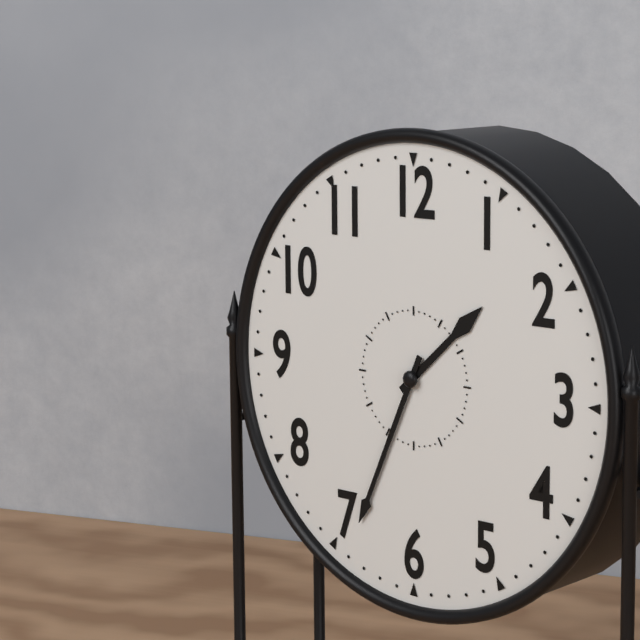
1 h 34 min
